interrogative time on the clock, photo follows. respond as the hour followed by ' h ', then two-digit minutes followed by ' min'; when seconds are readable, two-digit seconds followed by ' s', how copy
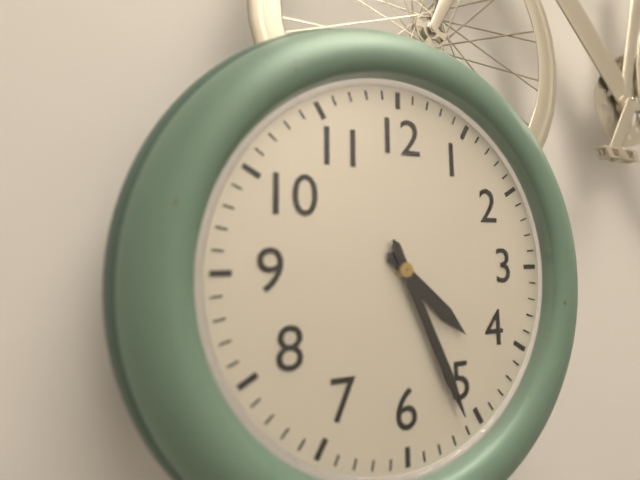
4 h 26 min
